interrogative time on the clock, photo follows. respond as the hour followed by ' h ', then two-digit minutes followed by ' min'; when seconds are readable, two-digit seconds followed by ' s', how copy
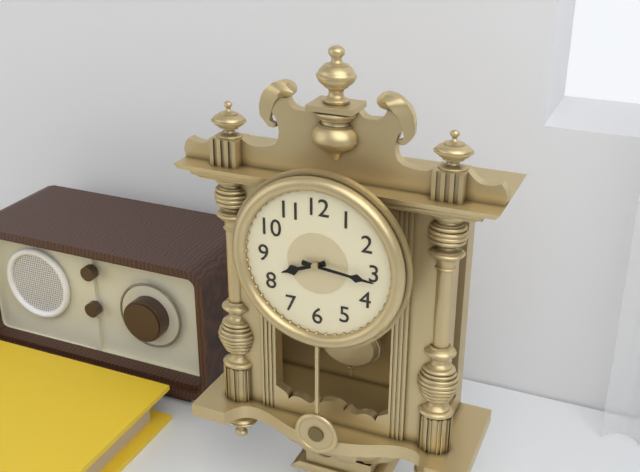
8 h 16 min
